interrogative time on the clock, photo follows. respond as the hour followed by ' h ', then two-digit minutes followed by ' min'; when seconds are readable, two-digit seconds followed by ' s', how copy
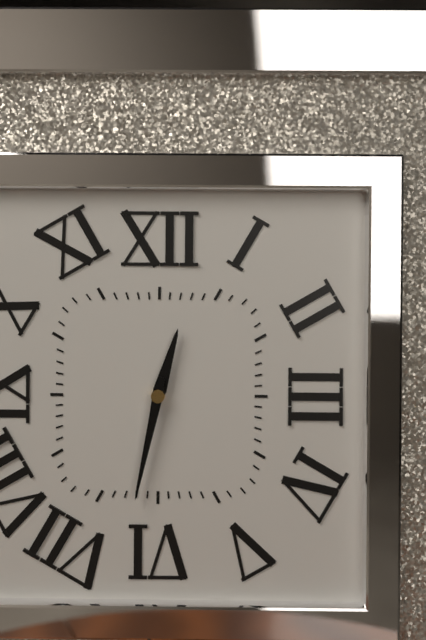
12 h 32 min
